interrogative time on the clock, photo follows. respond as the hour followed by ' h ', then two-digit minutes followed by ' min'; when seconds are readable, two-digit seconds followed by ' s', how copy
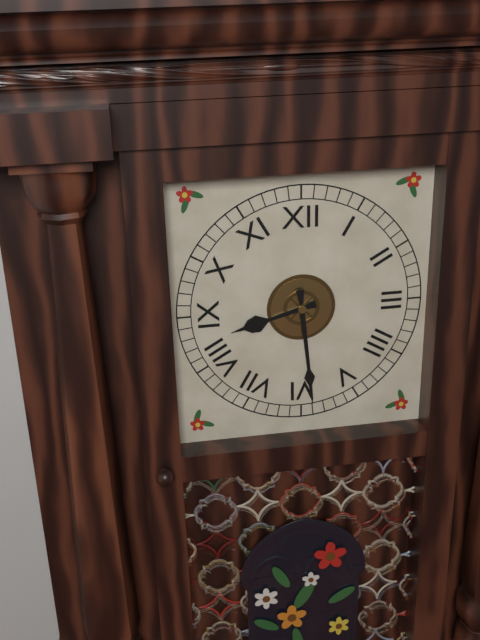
8 h 29 min
